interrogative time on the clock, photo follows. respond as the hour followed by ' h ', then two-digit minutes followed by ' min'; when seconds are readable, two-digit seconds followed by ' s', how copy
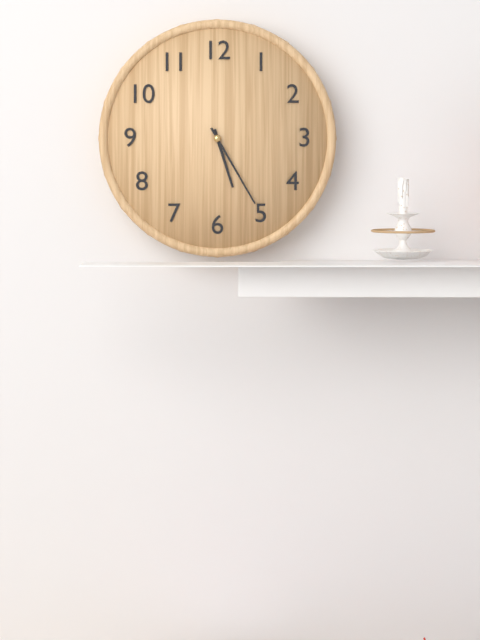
5 h 25 min
